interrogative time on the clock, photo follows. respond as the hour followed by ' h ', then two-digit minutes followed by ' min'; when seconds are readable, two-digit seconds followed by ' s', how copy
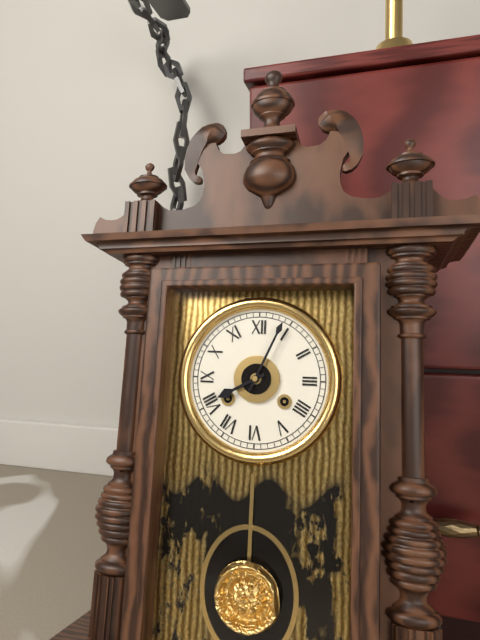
8 h 04 min
